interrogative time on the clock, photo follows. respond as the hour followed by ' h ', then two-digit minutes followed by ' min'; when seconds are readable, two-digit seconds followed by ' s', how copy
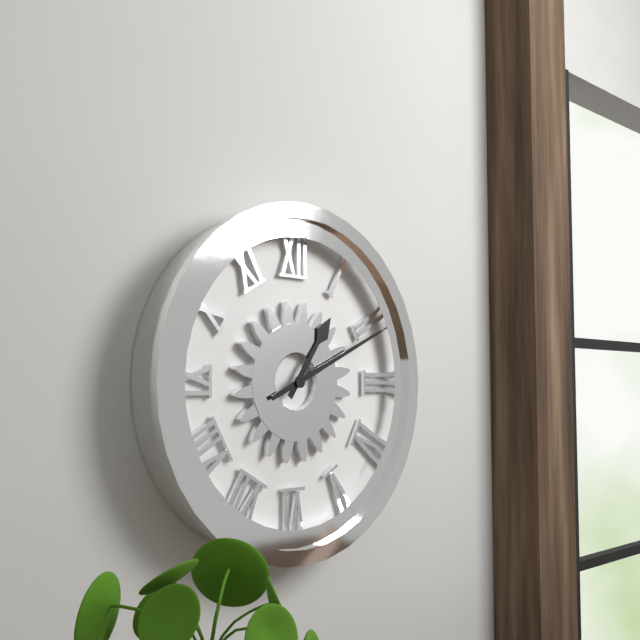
1 h 11 min
